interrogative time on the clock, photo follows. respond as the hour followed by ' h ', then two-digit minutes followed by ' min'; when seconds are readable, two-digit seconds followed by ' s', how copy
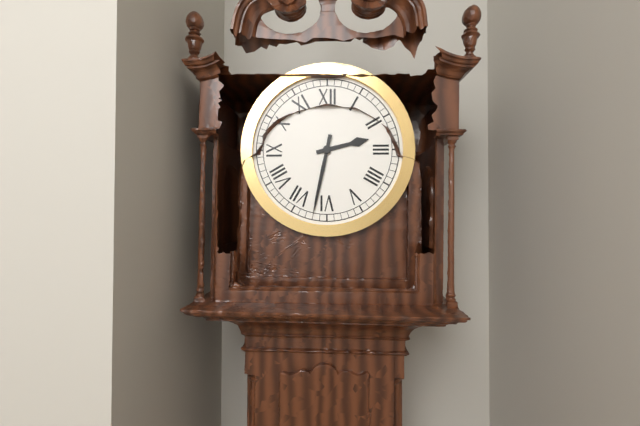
2 h 32 min
